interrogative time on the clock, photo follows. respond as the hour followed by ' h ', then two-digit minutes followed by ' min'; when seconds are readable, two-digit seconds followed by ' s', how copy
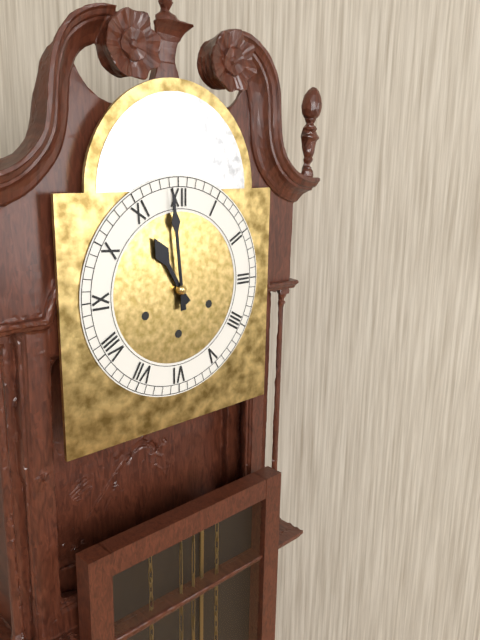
10 h 59 min
